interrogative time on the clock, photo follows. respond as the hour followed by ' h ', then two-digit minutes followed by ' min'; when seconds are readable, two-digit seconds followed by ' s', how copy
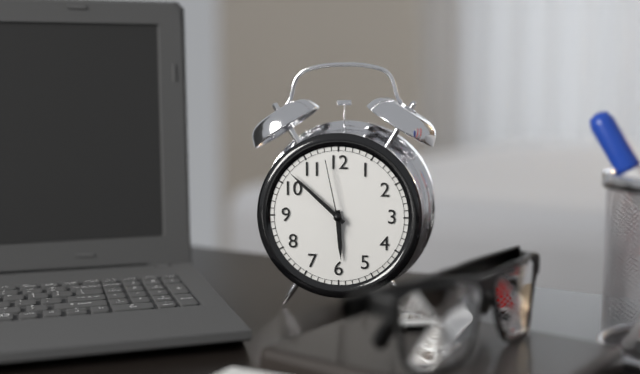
5 h 52 min 58 s
